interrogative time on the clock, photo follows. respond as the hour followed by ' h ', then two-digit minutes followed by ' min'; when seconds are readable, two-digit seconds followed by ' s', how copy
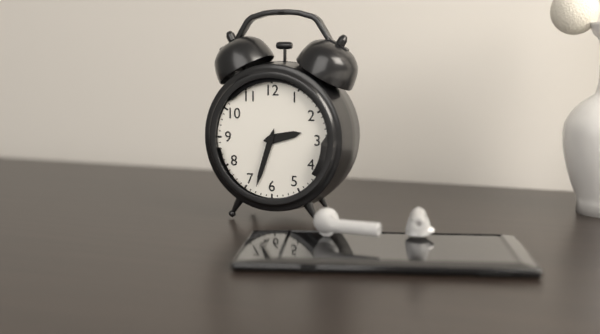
2 h 33 min
